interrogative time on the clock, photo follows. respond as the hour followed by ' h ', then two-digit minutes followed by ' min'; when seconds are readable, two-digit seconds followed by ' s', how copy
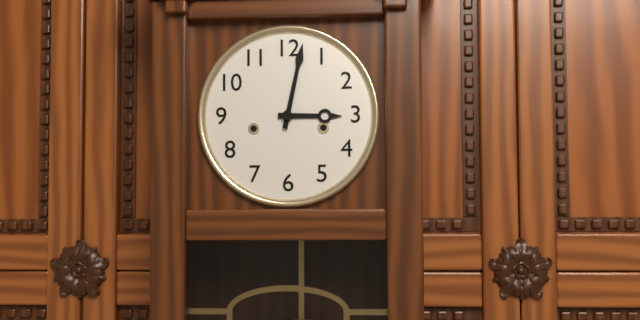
3 h 02 min
